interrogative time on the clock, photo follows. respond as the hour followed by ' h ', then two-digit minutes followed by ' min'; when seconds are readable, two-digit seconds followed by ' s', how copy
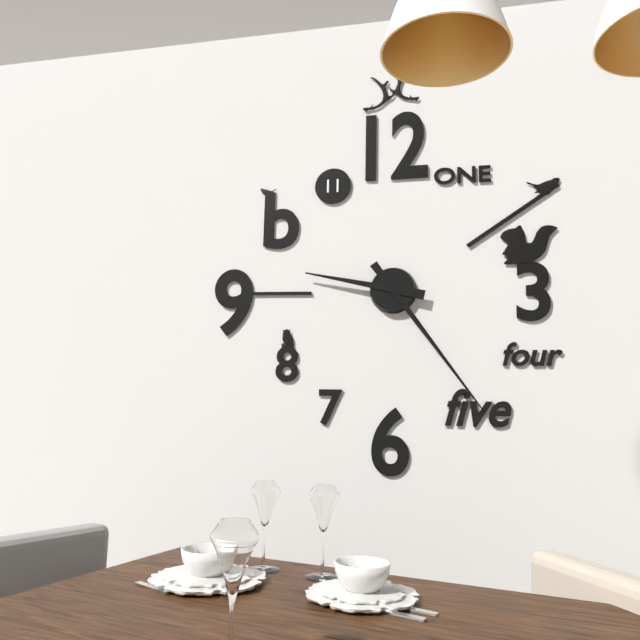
9 h 24 min
